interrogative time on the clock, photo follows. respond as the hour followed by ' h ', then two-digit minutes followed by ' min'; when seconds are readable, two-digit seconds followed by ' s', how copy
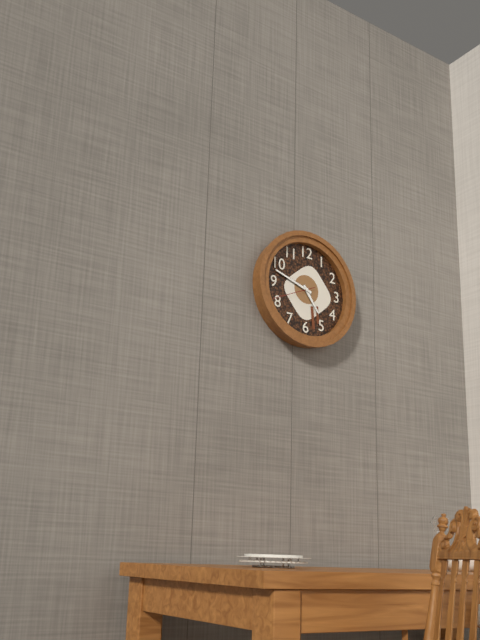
4 h 48 min
